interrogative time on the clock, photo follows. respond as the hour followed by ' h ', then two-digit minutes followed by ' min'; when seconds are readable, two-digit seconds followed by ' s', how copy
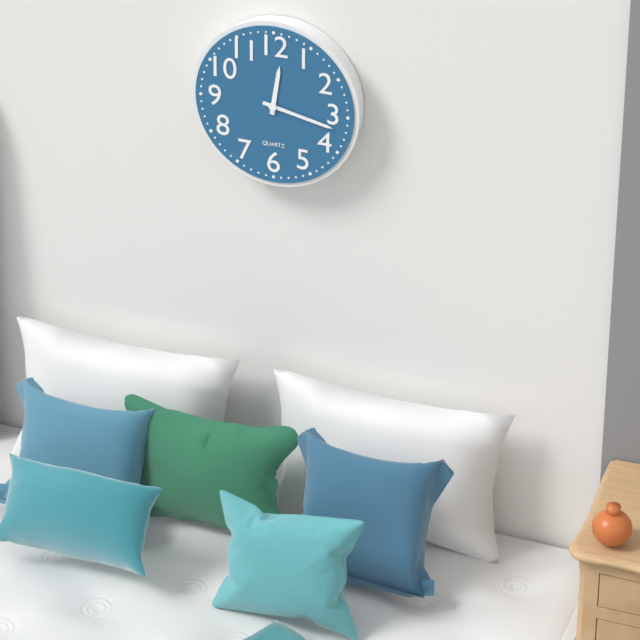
12 h 17 min
